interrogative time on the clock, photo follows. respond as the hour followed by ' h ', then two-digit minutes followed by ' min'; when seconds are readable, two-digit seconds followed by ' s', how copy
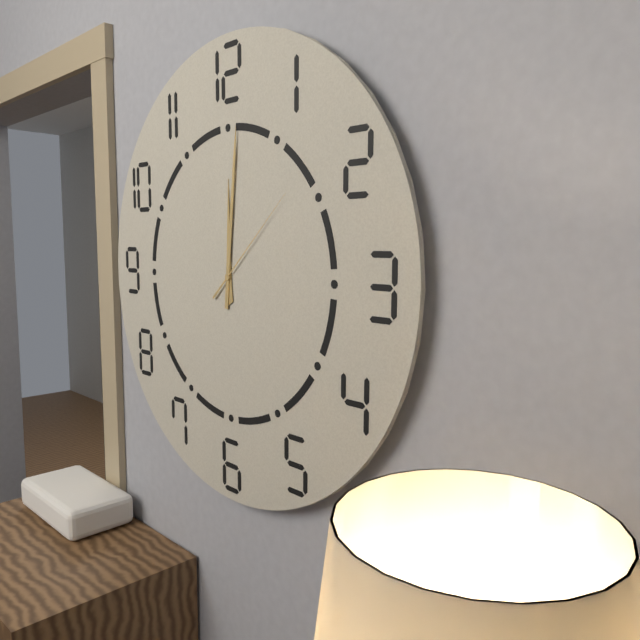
12 h 01 min 08 s
